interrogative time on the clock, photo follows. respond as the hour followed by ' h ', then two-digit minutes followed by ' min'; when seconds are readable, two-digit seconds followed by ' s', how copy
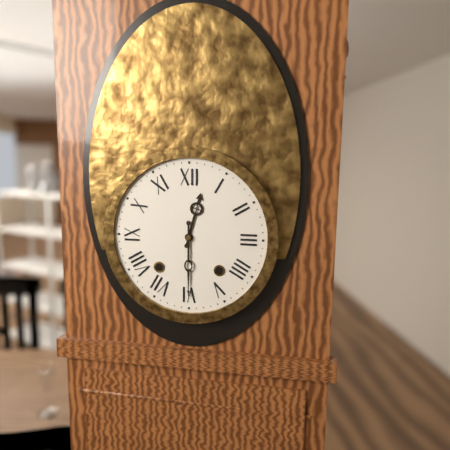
12 h 30 min
